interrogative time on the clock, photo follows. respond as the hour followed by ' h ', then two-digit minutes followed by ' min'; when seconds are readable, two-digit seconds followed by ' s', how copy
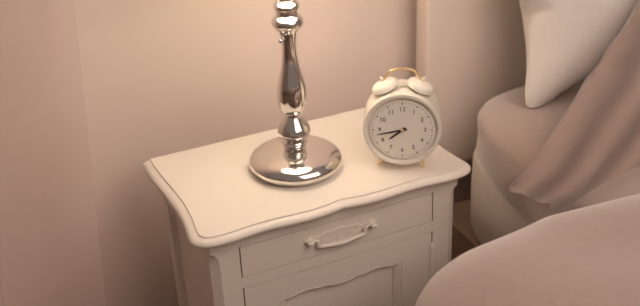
7 h 43 min
